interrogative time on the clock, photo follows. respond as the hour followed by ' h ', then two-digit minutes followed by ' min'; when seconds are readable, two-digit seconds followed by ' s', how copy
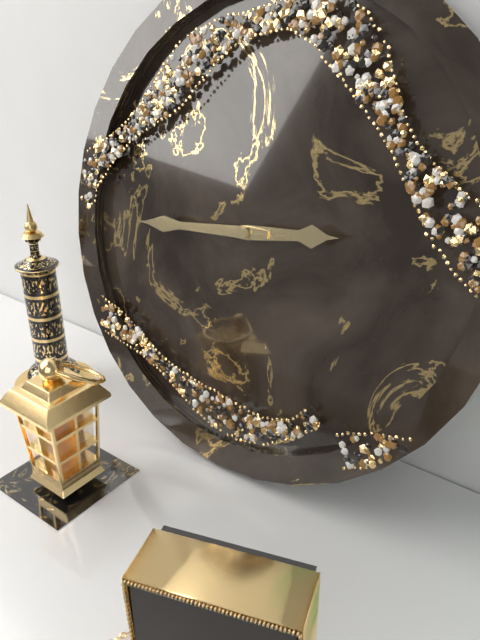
2 h 44 min
